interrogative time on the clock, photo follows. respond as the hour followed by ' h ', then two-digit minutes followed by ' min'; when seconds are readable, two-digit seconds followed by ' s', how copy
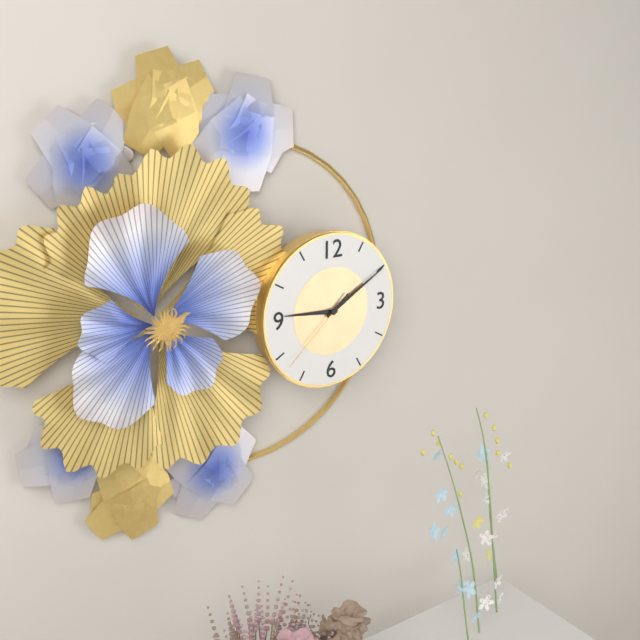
9 h 10 min 38 s
